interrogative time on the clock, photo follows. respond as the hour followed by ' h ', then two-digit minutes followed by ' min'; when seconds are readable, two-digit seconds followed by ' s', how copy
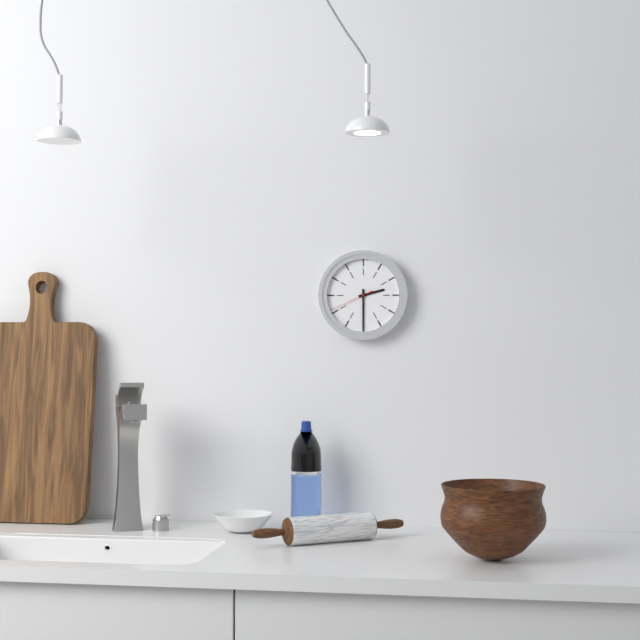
2 h 30 min
